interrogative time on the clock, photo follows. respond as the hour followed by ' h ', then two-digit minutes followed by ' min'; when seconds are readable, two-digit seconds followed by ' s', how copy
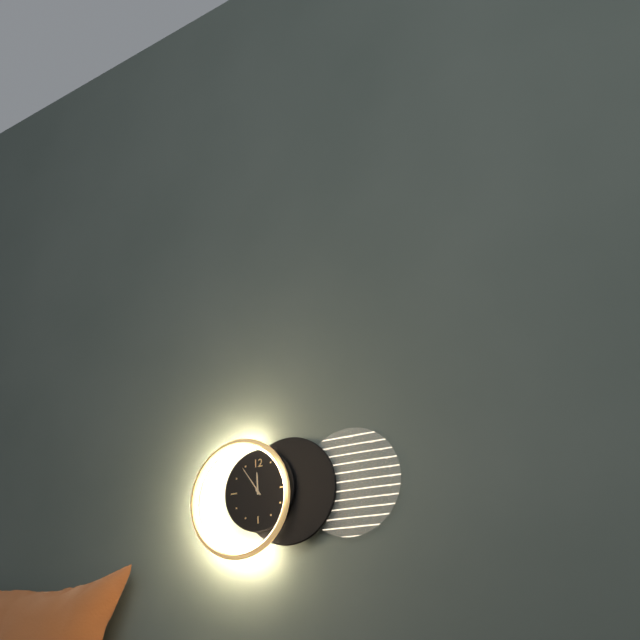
11 h 54 min
